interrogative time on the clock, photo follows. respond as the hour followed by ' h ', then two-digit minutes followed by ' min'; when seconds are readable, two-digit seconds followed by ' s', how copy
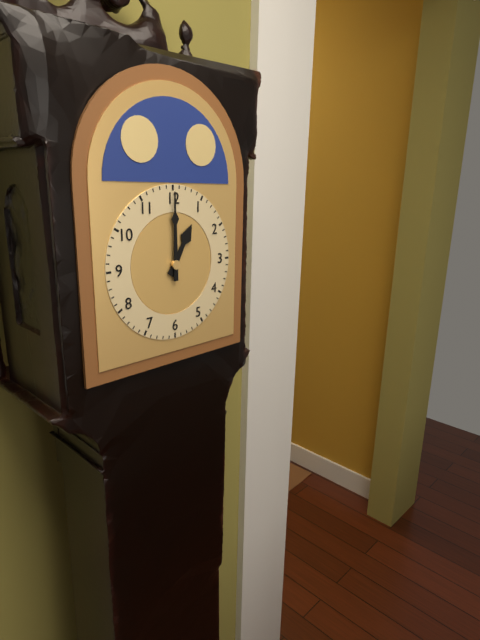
1 h 00 min
